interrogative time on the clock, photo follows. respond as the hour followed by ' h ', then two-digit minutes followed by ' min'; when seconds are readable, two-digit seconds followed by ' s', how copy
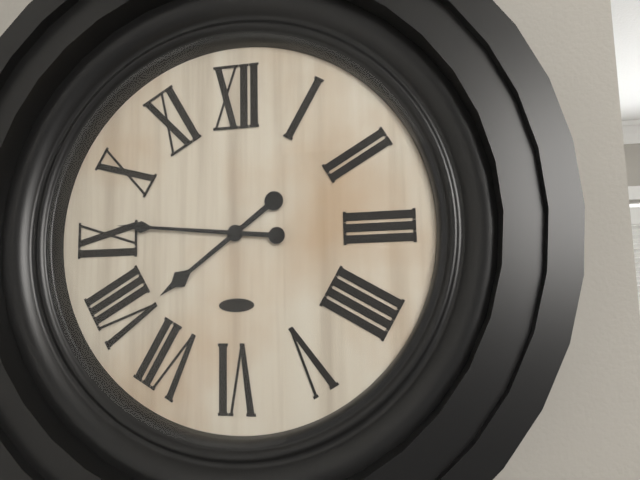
7 h 46 min
